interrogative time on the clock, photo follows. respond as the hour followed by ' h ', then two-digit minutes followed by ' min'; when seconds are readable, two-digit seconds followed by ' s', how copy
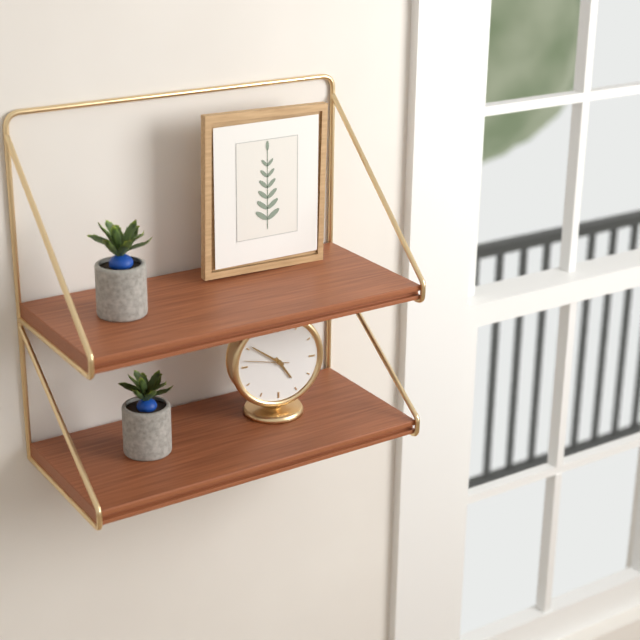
4 h 51 min
